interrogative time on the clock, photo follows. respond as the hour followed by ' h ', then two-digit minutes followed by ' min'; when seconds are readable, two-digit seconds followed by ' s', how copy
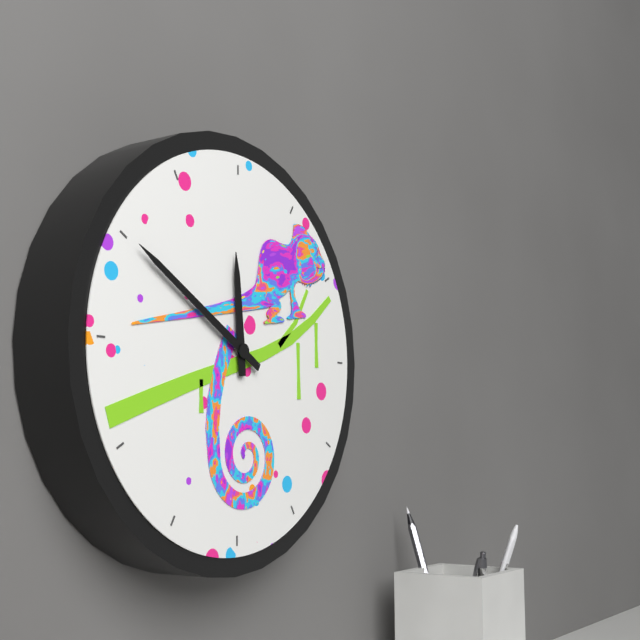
11 h 50 min
